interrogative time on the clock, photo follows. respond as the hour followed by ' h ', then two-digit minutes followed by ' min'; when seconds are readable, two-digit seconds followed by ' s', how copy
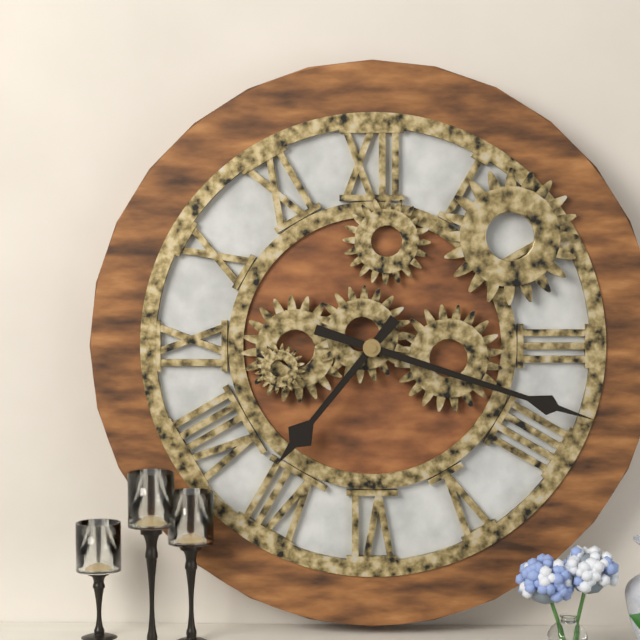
7 h 18 min
